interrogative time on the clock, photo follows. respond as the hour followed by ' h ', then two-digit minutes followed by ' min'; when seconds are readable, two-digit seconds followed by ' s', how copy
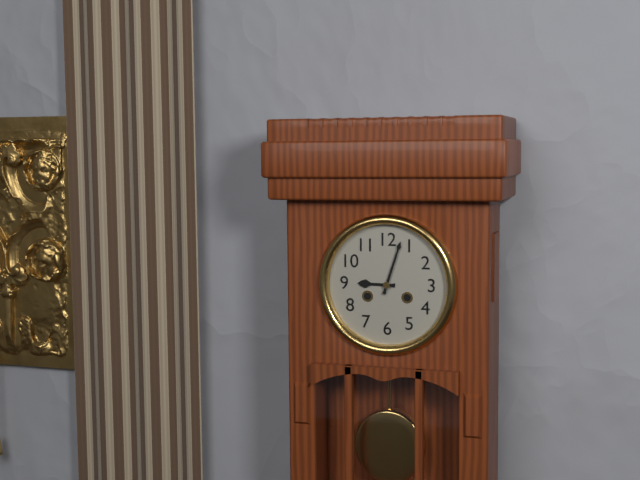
9 h 03 min
